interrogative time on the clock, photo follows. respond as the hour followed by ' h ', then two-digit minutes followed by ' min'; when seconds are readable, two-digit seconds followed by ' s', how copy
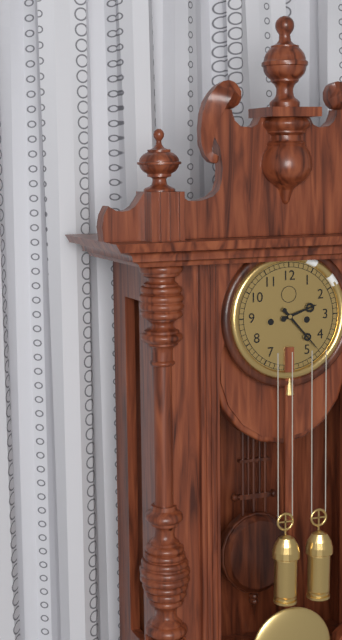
2 h 23 min
